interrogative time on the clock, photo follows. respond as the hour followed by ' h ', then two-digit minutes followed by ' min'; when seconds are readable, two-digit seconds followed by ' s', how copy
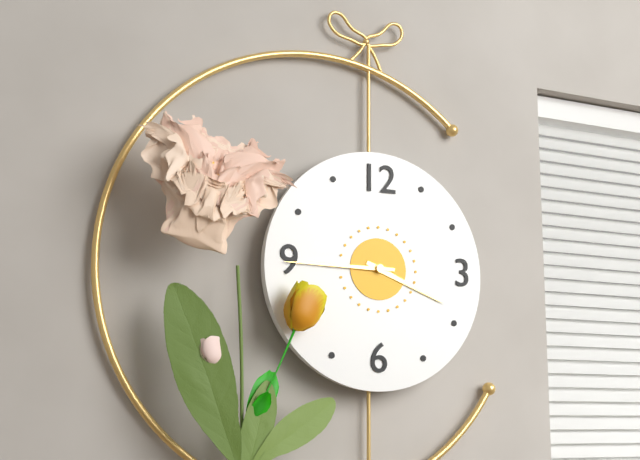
3 h 45 min
